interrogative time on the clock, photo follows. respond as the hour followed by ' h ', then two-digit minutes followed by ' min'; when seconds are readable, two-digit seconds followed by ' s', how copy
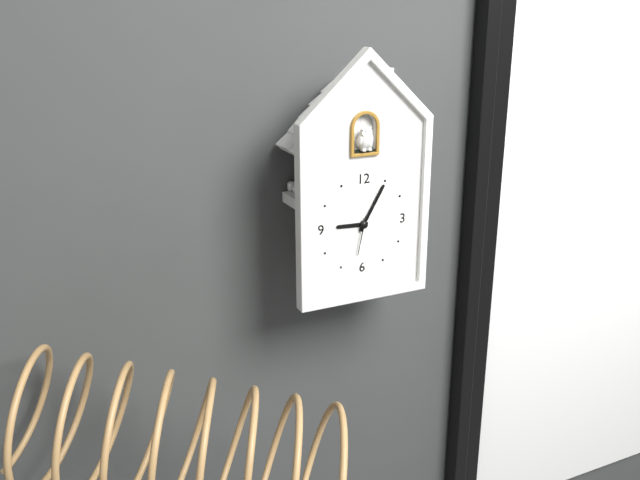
9 h 05 min 32 s
